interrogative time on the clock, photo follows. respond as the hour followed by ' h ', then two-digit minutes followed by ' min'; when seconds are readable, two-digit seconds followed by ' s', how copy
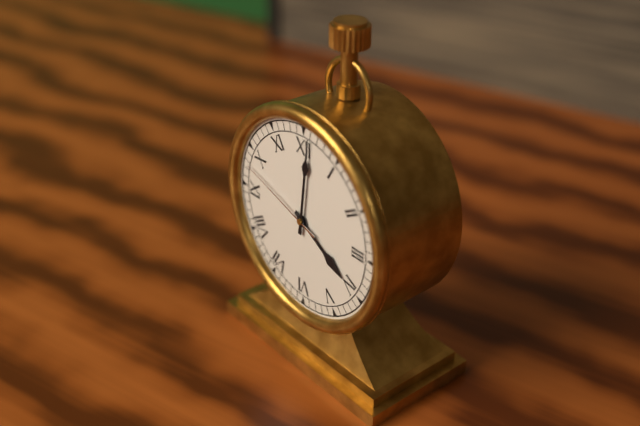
4 h 01 min 48 s
